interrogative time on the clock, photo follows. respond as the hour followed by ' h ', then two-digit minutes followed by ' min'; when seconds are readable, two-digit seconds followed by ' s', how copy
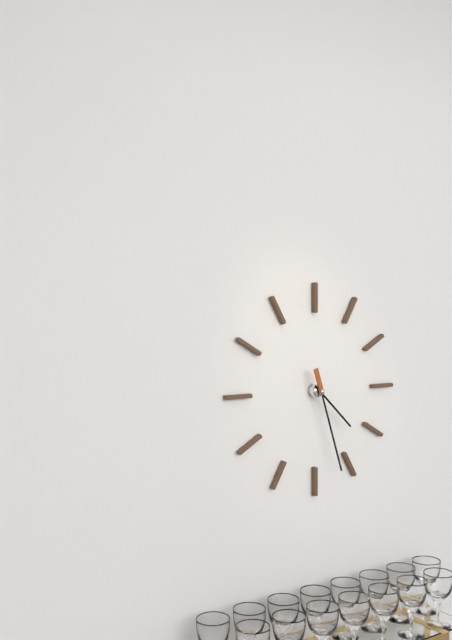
4 h 27 min
